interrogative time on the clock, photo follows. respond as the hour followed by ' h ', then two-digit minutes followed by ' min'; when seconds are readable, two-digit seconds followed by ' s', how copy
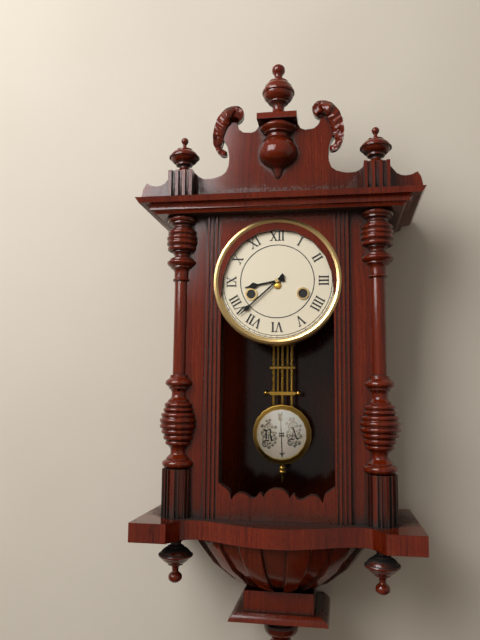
8 h 38 min
